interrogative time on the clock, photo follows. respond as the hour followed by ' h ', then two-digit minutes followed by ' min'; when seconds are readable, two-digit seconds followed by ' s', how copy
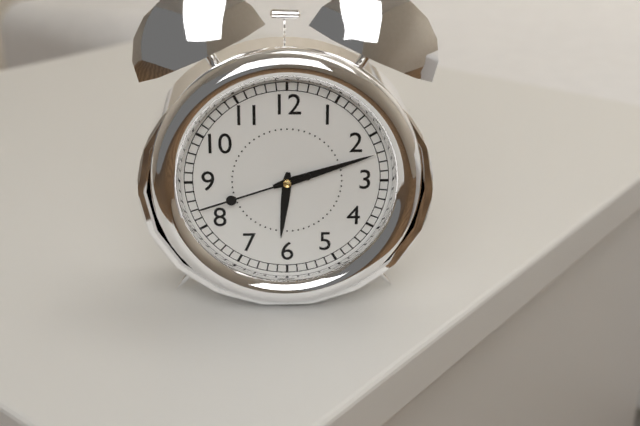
6 h 12 min 42 s
